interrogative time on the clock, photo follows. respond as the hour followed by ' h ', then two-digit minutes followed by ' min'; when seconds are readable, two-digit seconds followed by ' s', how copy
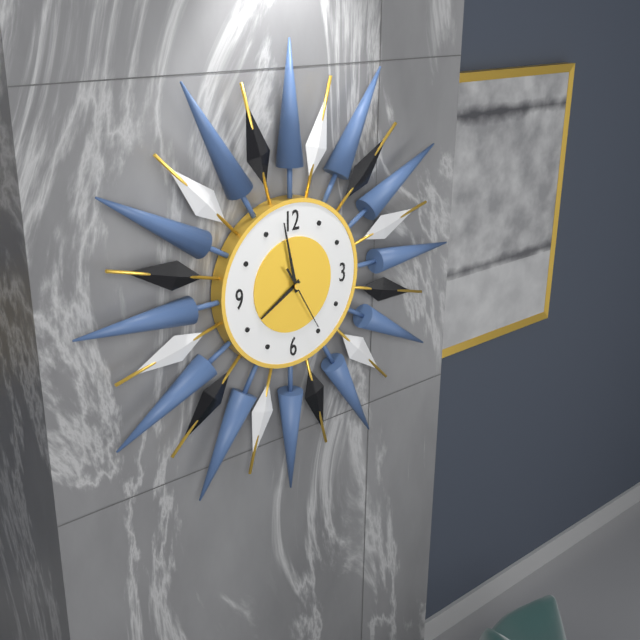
7 h 58 min 25 s
